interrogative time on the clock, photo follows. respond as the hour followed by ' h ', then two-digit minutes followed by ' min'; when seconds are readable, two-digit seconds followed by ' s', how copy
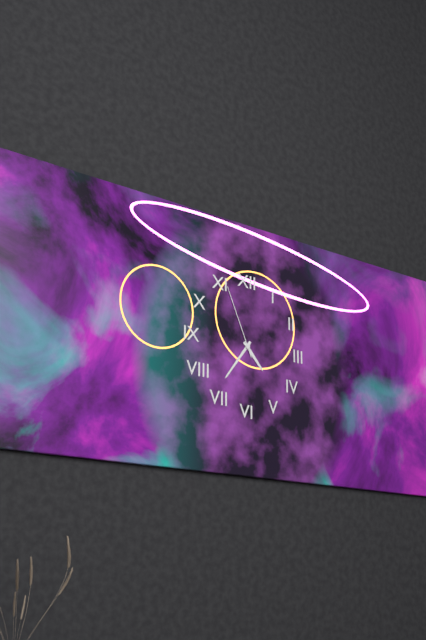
4 h 36 min 56 s
